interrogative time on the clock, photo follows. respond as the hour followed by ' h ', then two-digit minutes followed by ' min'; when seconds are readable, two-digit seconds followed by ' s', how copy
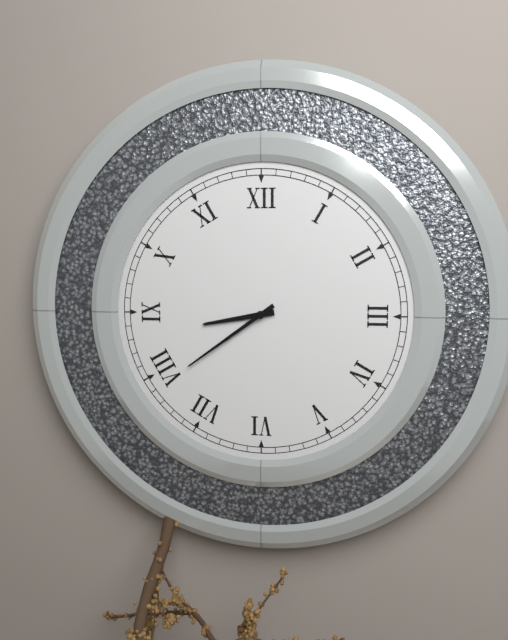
8 h 39 min
